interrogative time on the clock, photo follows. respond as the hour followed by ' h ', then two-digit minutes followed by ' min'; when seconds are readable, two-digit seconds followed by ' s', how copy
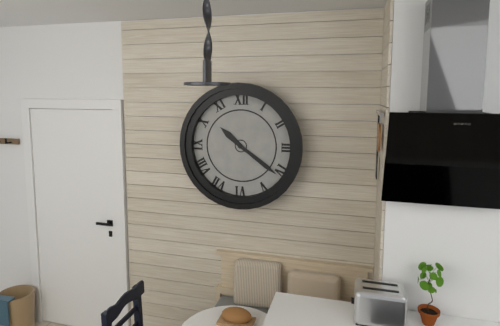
10 h 21 min
